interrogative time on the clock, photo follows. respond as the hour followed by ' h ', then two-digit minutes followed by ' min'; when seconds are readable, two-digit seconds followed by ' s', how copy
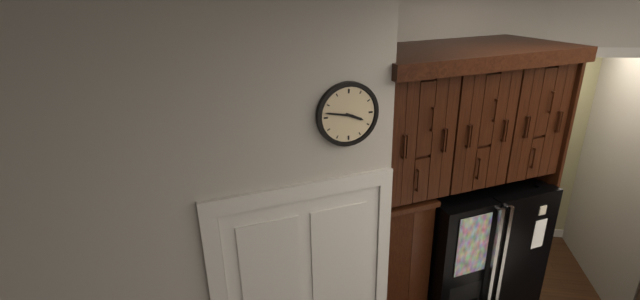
3 h 47 min
